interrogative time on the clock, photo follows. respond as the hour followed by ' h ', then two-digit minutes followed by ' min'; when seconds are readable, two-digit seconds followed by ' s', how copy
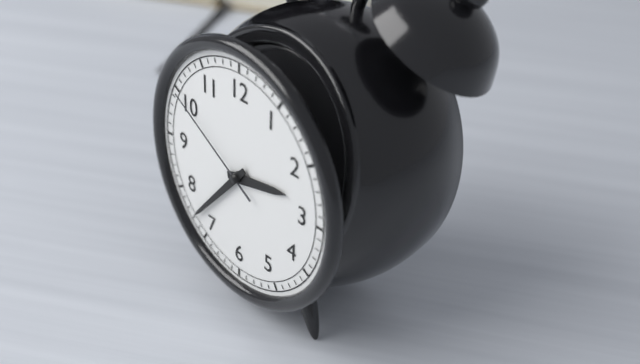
2 h 37 min 50 s
